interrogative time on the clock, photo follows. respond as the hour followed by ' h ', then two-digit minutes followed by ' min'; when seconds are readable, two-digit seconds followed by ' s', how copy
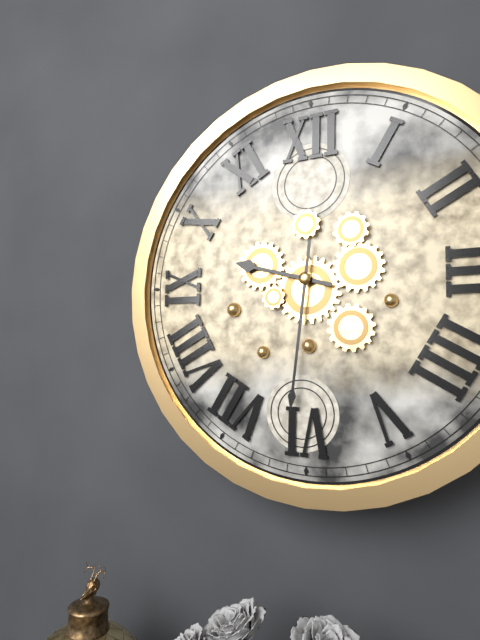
9 h 31 min
